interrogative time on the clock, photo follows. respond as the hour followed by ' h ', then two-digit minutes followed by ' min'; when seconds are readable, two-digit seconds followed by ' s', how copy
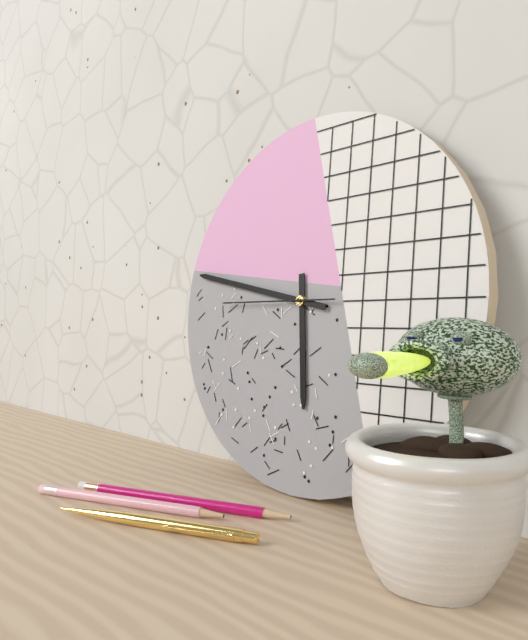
5 h 47 min 45 s
